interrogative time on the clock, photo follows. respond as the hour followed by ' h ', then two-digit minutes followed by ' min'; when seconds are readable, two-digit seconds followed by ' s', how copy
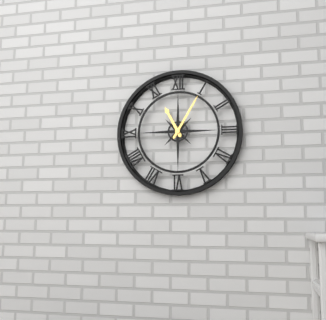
11 h 05 min
